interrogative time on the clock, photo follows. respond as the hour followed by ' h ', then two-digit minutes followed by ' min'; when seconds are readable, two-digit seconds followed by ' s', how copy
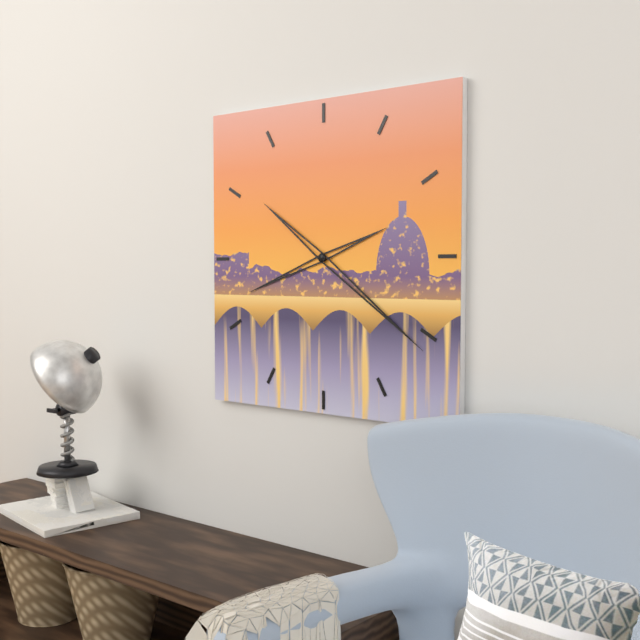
8 h 21 min
